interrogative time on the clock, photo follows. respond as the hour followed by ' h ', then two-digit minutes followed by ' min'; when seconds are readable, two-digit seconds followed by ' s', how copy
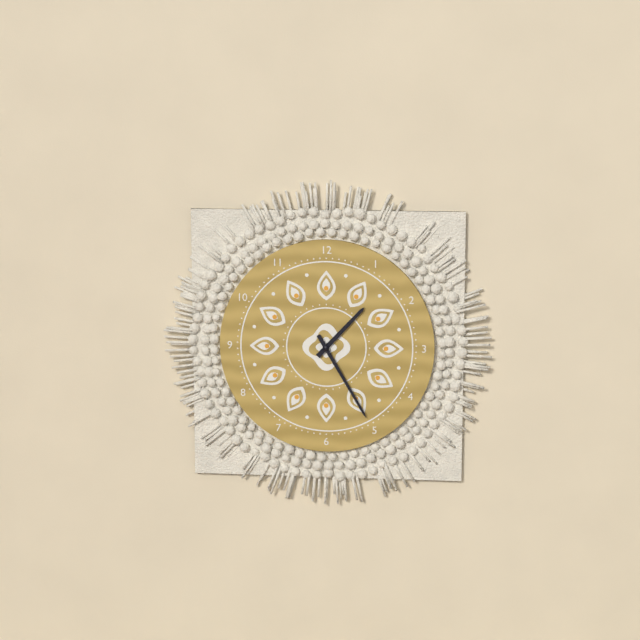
1 h 25 min
